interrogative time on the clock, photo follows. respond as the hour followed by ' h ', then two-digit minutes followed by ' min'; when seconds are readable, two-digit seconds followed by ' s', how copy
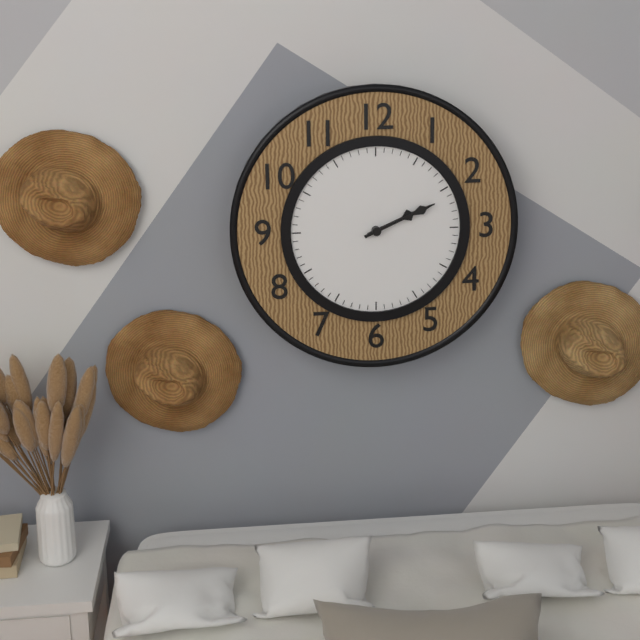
2 h 11 min
